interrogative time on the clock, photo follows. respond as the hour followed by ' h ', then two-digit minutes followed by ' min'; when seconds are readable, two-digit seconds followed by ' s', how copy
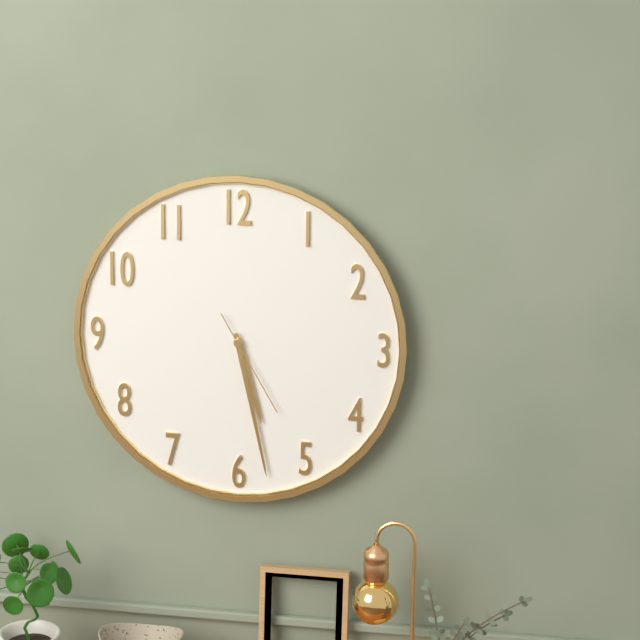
5 h 28 min 25 s
